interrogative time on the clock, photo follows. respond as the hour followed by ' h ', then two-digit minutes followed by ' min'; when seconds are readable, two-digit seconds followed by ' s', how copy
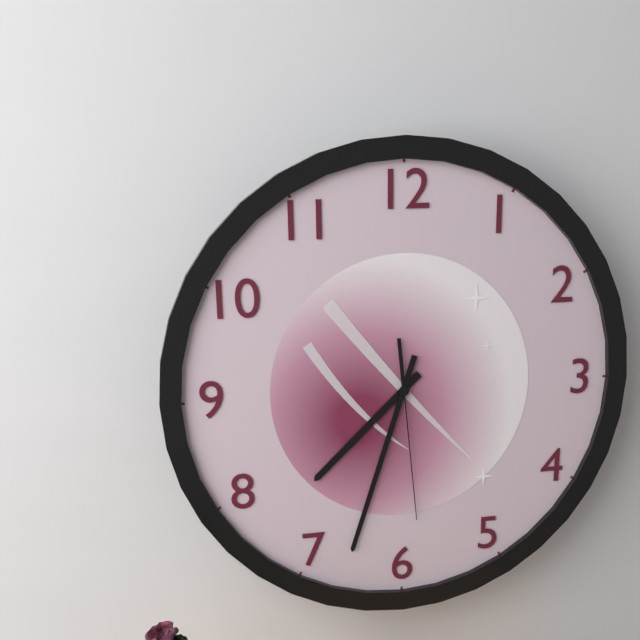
7 h 33 min 29 s
